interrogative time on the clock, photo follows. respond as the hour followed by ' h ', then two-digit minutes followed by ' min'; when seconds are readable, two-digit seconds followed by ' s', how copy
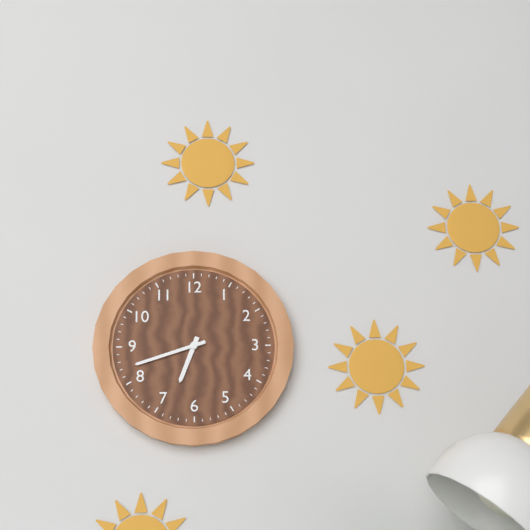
6 h 42 min
